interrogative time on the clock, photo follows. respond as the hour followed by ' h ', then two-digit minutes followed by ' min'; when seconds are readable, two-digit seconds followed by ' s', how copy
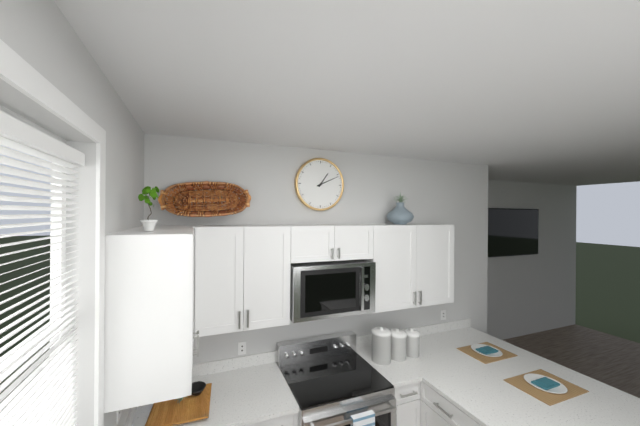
1 h 11 min
